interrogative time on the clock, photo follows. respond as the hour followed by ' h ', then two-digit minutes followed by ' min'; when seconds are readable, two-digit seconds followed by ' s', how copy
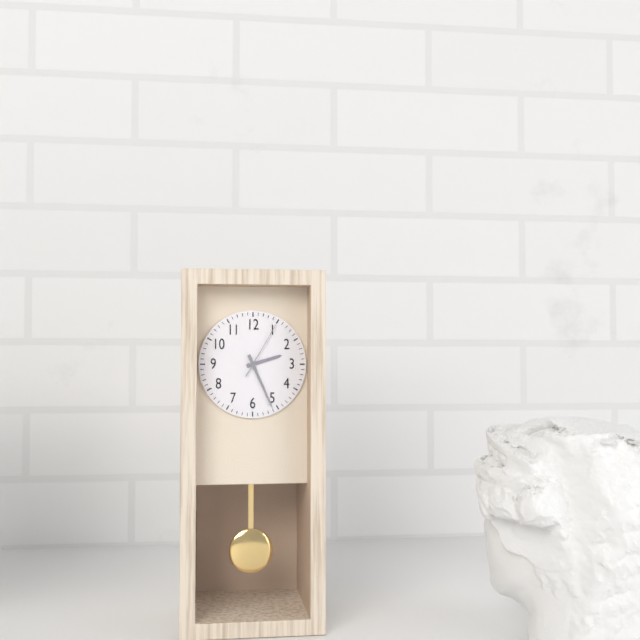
2 h 26 min 05 s
